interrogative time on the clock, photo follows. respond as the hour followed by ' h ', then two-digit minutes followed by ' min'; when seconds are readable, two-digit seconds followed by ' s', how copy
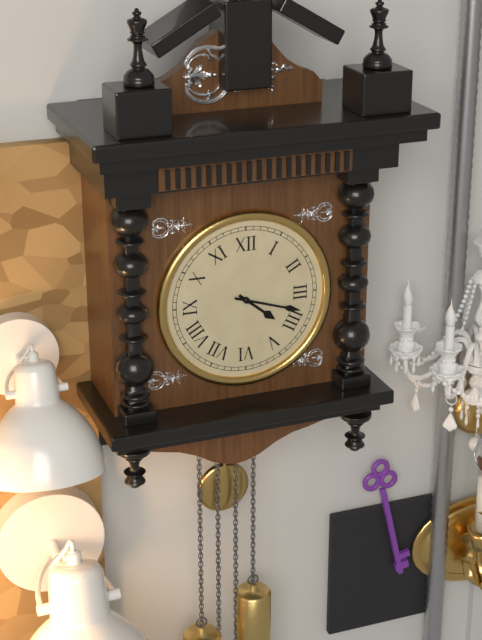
4 h 18 min
